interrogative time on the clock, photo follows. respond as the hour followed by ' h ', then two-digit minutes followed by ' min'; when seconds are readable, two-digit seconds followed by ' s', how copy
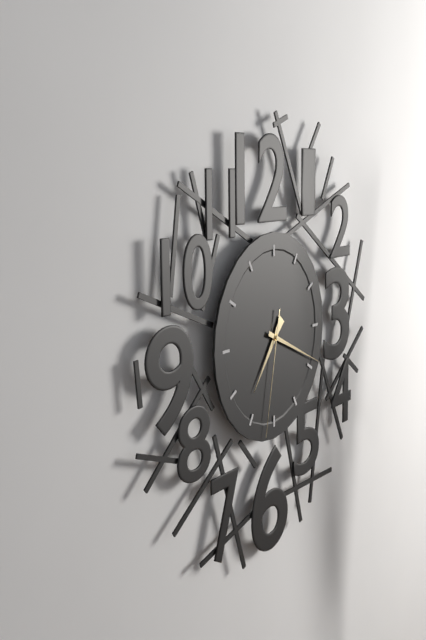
7 h 19 min 32 s
